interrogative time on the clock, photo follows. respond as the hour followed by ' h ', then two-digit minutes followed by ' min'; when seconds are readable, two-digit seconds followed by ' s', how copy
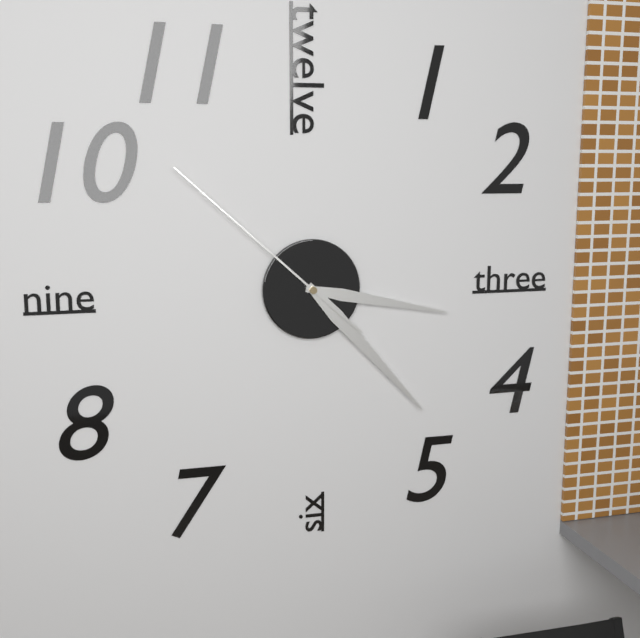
3 h 23 min 52 s
